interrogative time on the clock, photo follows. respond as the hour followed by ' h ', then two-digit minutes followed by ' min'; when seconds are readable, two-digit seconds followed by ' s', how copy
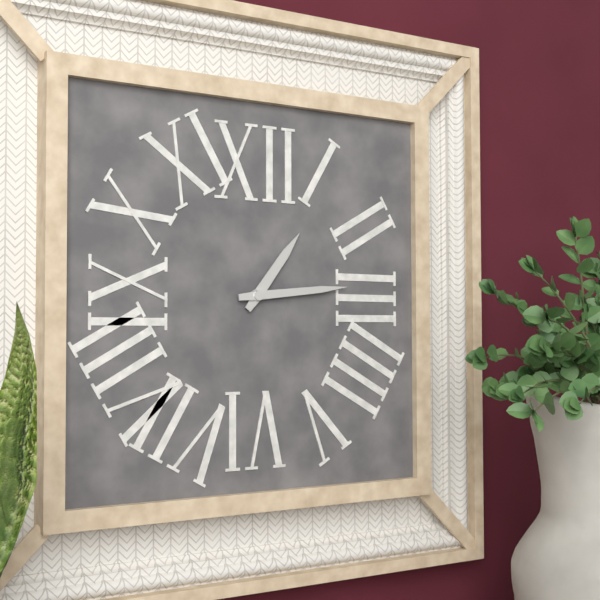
1 h 14 min
